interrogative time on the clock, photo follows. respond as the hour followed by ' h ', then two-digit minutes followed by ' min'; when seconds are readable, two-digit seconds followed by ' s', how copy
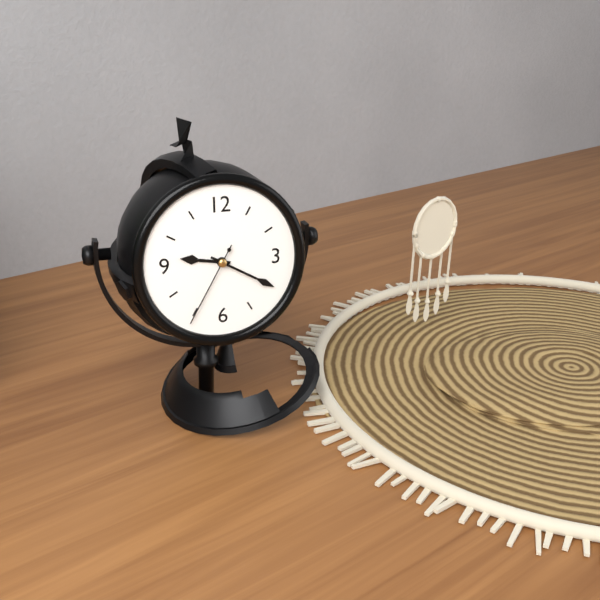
9 h 20 min 35 s
